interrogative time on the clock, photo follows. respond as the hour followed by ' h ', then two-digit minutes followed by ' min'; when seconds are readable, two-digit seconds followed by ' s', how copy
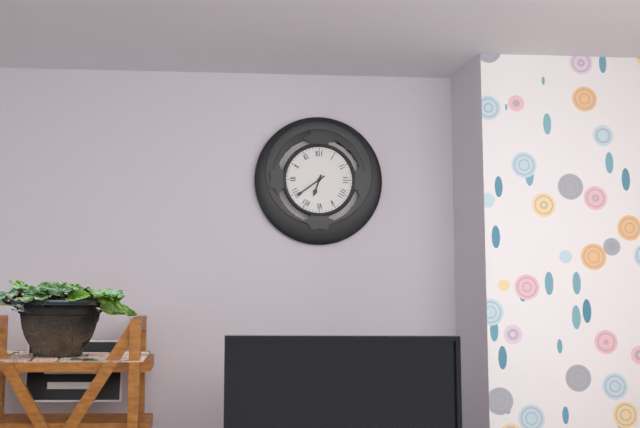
6 h 39 min
